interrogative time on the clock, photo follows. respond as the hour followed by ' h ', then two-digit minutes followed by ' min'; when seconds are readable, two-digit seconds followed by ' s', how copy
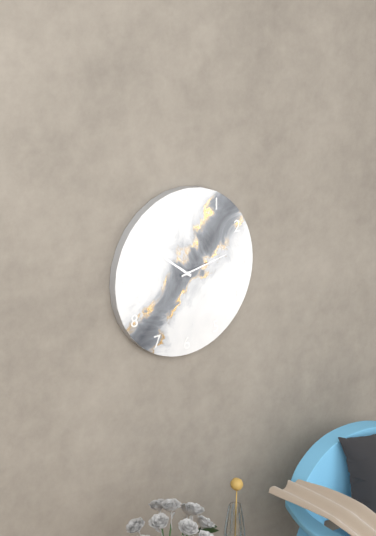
10 h 13 min
